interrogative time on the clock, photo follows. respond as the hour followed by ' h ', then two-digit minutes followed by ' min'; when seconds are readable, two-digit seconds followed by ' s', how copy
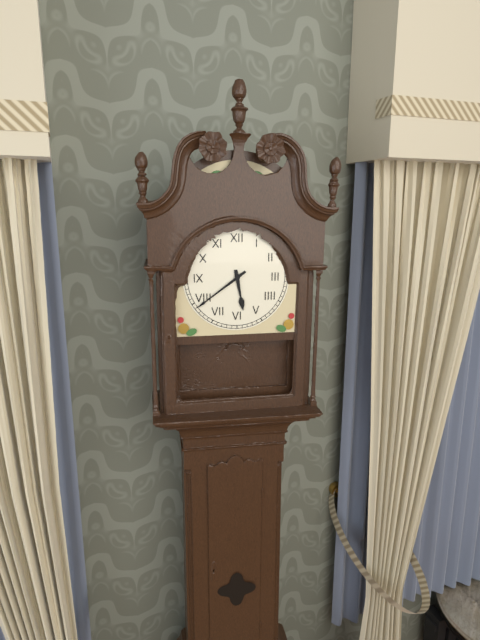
5 h 39 min
